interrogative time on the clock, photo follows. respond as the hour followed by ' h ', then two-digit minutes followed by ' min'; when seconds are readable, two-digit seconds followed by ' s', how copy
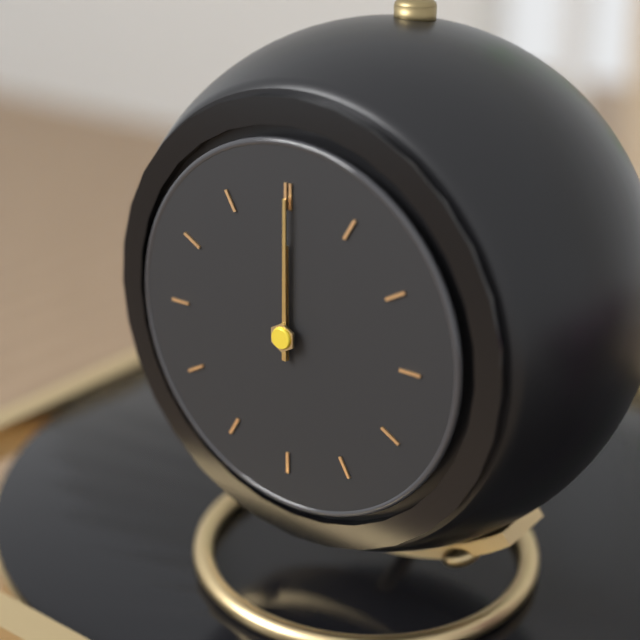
12 h 00 min
